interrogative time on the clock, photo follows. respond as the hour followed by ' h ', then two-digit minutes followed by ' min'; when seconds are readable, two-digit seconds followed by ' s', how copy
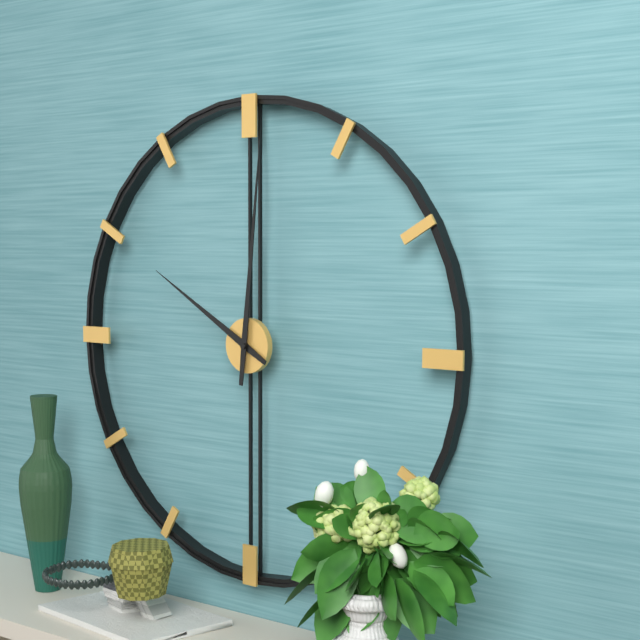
10 h 01 min
